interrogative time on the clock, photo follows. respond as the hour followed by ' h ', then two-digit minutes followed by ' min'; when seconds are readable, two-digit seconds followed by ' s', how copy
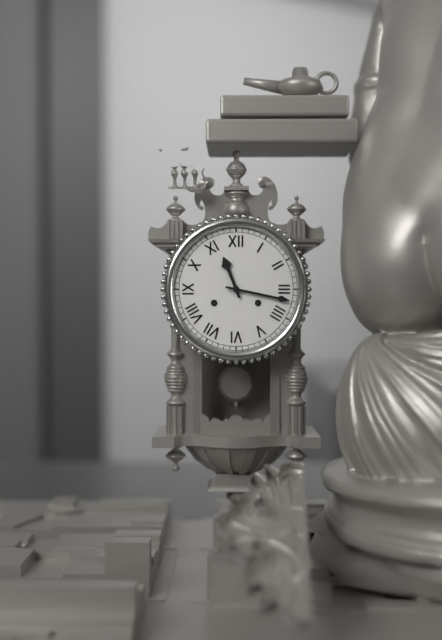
11 h 17 min
